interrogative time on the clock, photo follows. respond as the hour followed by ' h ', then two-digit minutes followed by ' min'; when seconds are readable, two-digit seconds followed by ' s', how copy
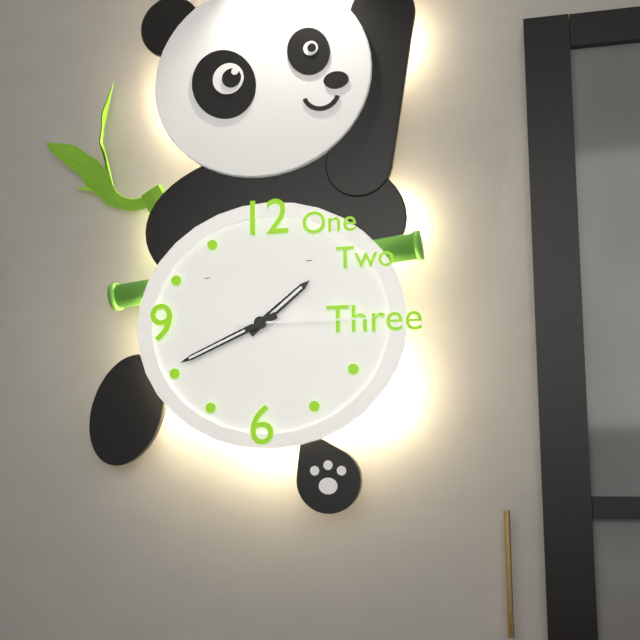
1 h 41 min 15 s
